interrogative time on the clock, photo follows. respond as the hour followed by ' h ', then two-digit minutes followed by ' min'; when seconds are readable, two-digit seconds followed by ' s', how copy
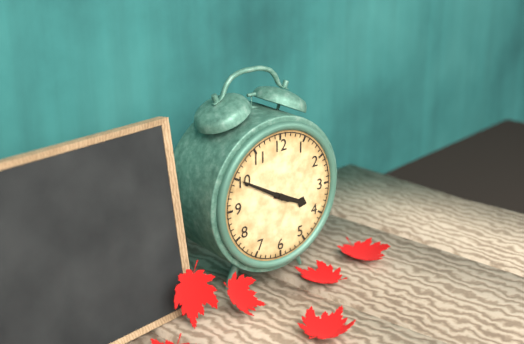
3 h 50 min
